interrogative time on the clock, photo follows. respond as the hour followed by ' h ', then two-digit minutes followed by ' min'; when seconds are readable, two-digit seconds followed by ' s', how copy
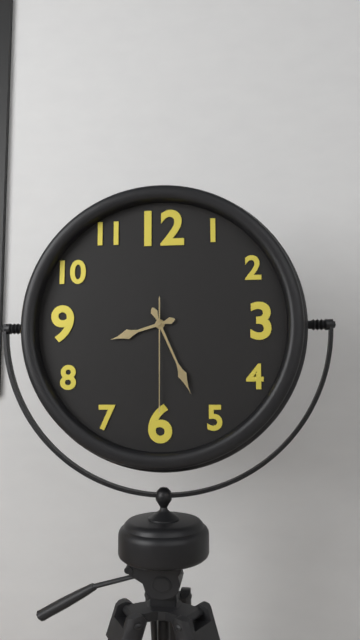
8 h 26 min 30 s
